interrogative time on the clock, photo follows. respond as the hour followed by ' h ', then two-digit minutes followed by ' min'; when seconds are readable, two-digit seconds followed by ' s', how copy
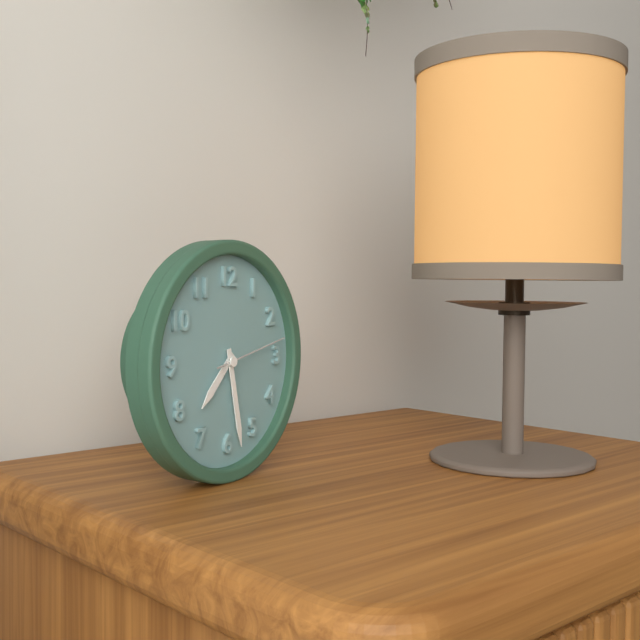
7 h 28 min 13 s
